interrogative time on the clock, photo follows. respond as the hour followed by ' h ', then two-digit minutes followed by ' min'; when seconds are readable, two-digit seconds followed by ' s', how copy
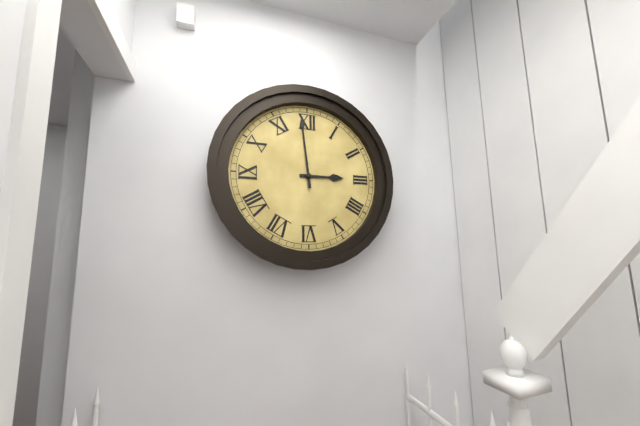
2 h 59 min
